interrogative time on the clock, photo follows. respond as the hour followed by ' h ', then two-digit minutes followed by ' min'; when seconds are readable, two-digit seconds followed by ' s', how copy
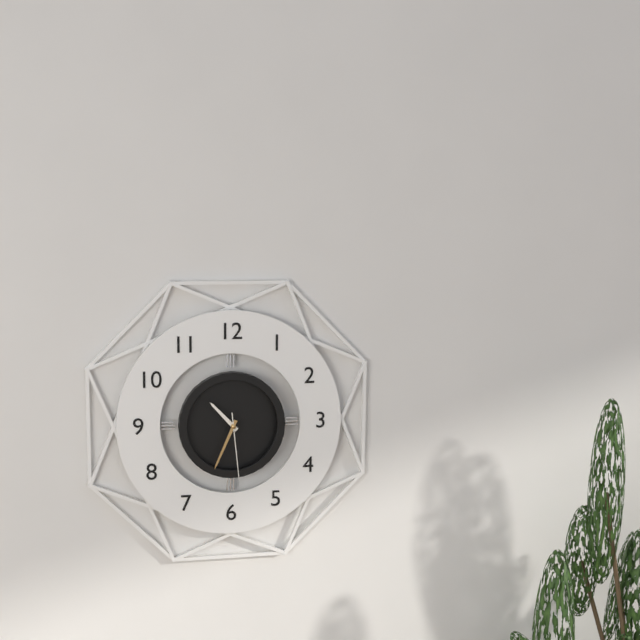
10 h 34 min 29 s
